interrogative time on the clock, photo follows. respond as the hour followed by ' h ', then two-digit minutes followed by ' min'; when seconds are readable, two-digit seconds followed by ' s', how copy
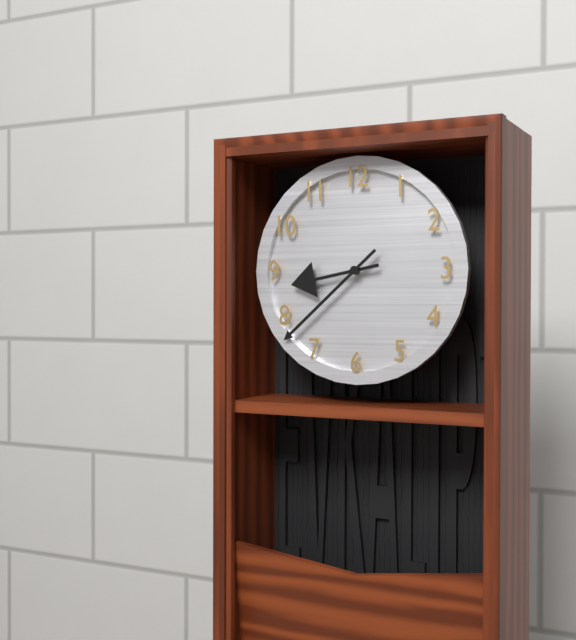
8 h 38 min
